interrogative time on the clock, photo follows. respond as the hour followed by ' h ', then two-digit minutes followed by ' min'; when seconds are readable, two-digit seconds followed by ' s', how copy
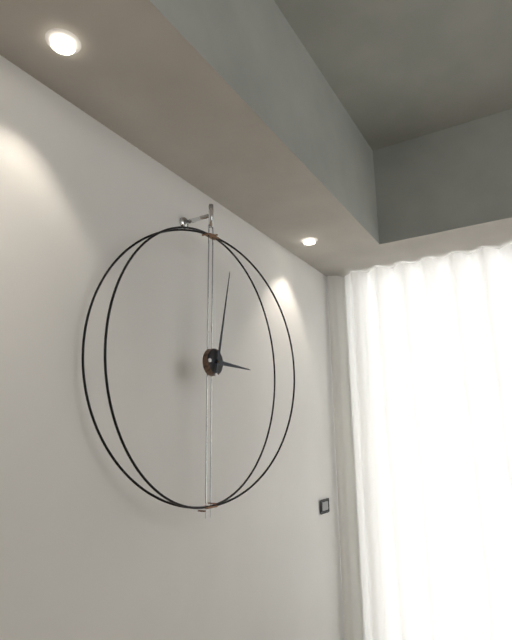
3 h 02 min
